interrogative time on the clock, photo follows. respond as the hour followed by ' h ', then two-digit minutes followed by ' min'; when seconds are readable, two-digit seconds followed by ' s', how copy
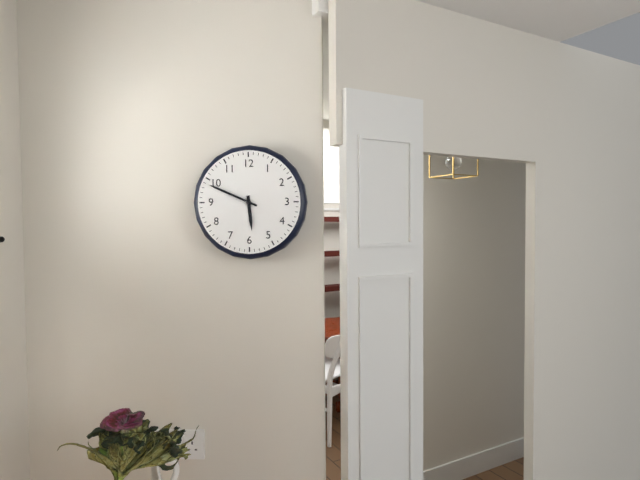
5 h 49 min
